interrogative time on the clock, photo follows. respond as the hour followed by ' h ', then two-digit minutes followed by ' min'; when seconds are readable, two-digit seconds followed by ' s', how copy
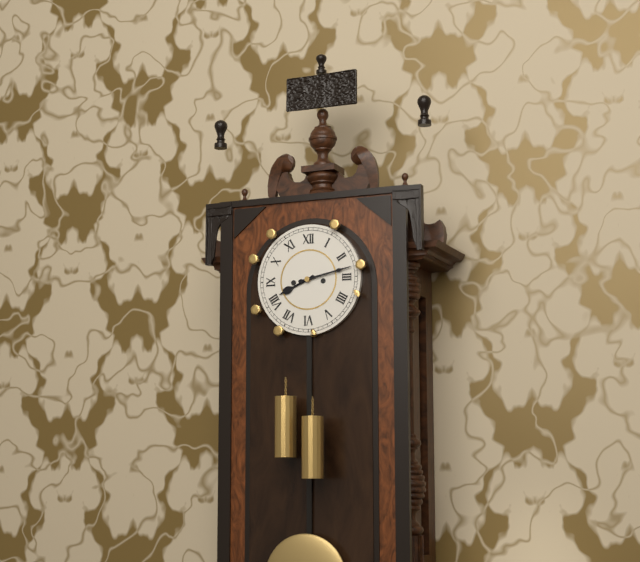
8 h 13 min
